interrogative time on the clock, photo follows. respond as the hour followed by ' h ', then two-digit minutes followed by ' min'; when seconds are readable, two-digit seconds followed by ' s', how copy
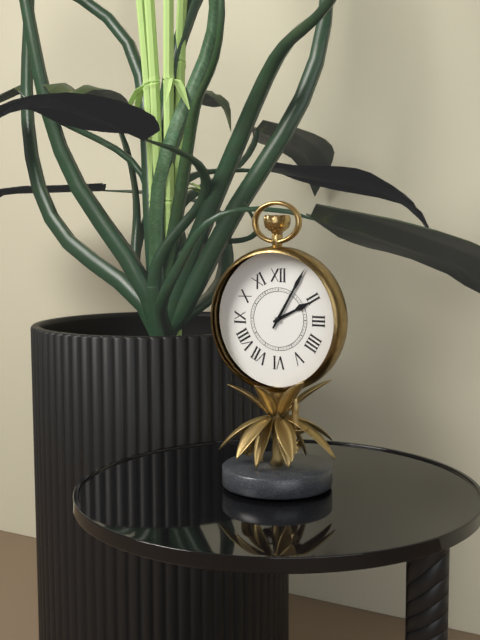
2 h 05 min
